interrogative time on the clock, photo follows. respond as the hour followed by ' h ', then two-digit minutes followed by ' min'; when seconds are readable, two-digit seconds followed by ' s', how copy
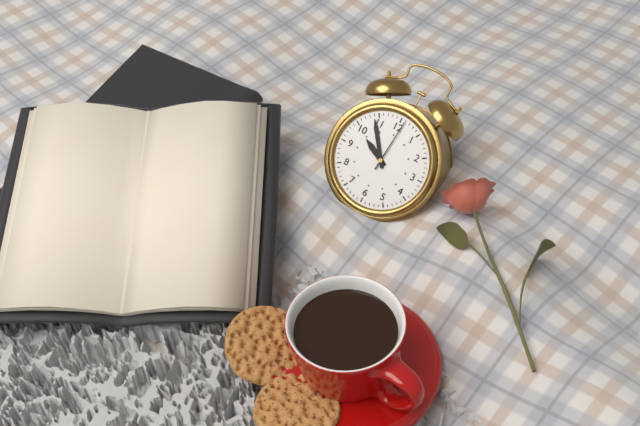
9 h 54 min 01 s
